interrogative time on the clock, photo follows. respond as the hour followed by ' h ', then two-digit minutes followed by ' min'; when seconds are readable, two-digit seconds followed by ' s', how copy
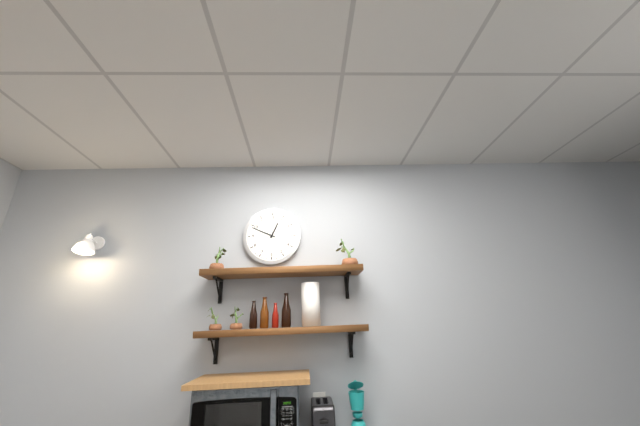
12 h 49 min
